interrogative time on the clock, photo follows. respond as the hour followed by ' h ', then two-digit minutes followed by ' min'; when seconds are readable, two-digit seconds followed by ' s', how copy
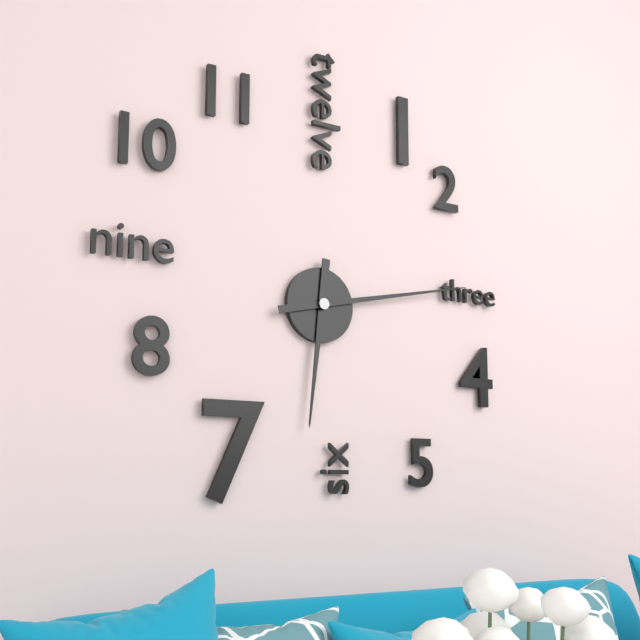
6 h 13 min
